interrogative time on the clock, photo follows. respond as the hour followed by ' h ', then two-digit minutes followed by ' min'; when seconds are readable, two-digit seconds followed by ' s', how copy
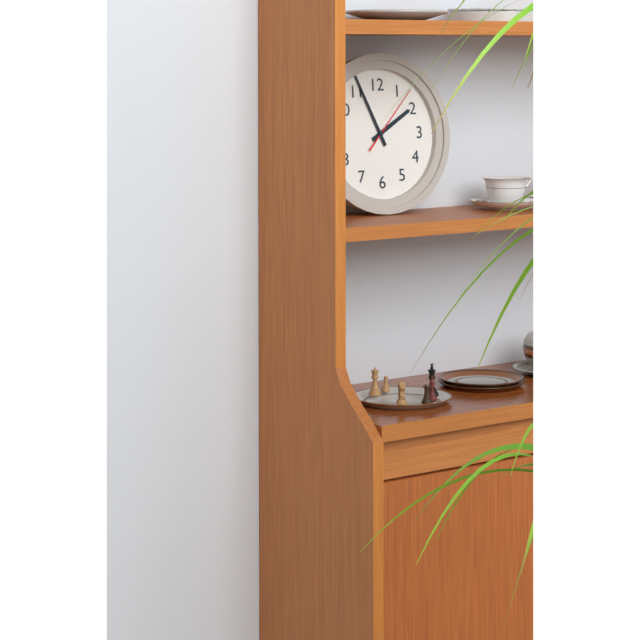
1 h 56 min 07 s
